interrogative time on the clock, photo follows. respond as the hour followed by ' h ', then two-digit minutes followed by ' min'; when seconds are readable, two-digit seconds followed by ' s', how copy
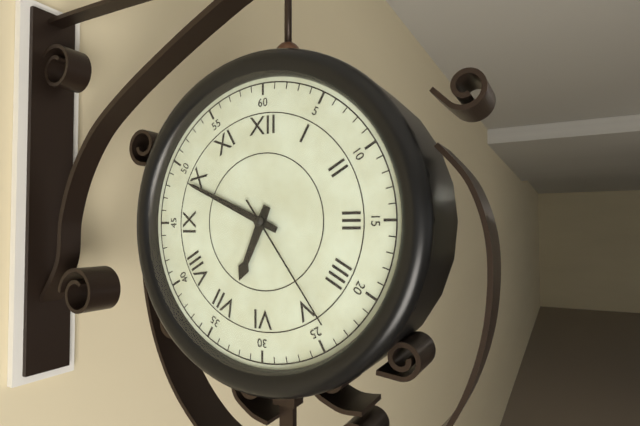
6 h 49 min 24 s
